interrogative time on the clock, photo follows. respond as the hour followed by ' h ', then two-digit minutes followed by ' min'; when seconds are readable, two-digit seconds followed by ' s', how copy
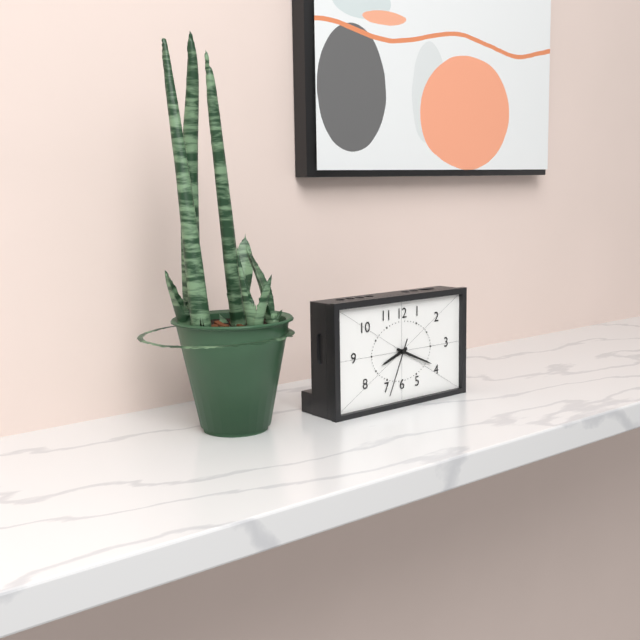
8 h 19 min 34 s
